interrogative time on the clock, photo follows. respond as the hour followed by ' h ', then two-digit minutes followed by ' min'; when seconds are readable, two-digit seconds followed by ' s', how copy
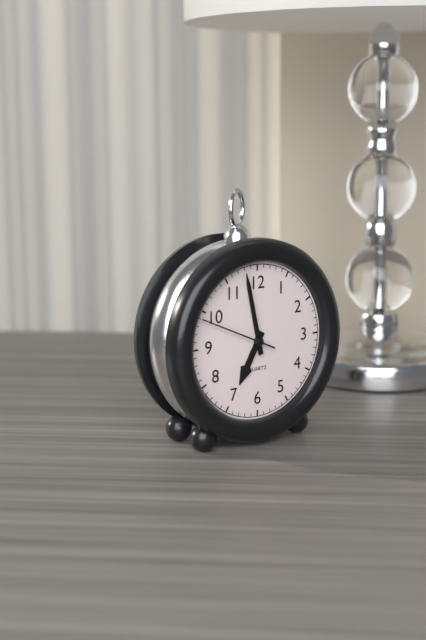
6 h 58 min 49 s
